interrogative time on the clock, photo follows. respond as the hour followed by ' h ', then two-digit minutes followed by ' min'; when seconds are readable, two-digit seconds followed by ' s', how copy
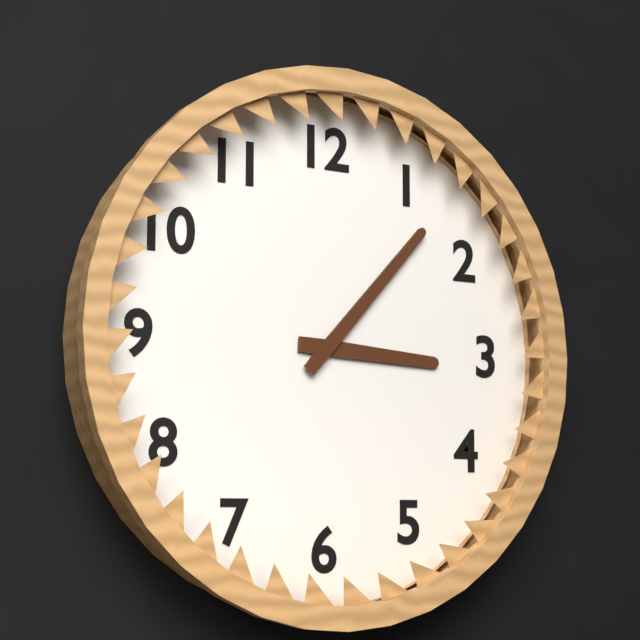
3 h 07 min
